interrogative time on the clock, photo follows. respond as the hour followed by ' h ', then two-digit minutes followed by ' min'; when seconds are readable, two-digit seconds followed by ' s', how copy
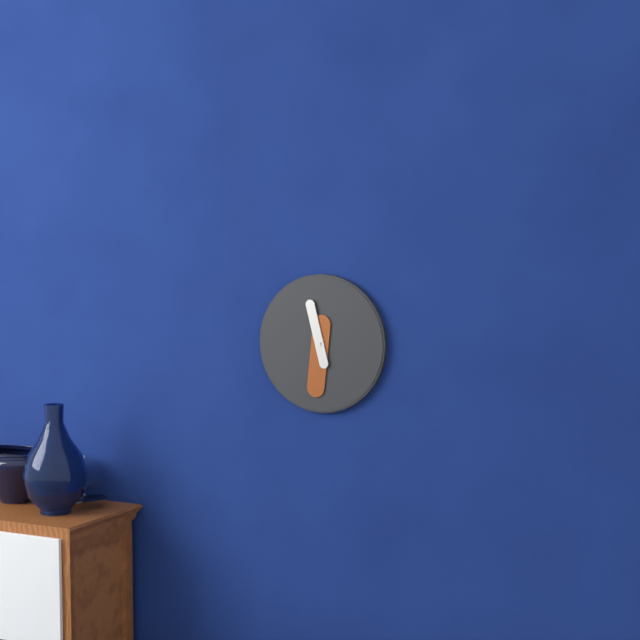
11 h 31 min
